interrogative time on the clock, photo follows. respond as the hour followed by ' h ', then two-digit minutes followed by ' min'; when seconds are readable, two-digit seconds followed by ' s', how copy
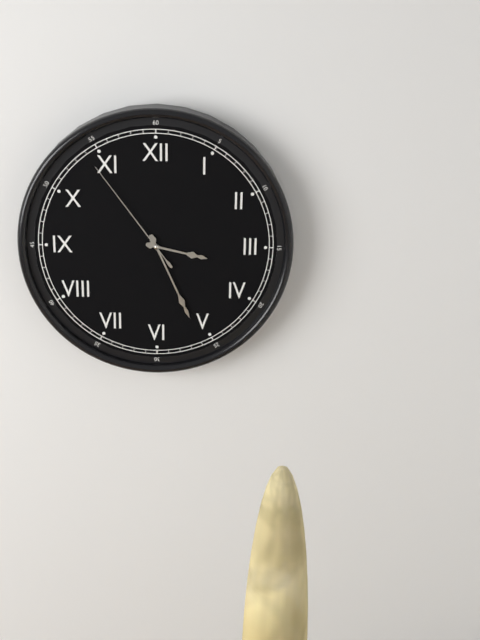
3 h 26 min 54 s
